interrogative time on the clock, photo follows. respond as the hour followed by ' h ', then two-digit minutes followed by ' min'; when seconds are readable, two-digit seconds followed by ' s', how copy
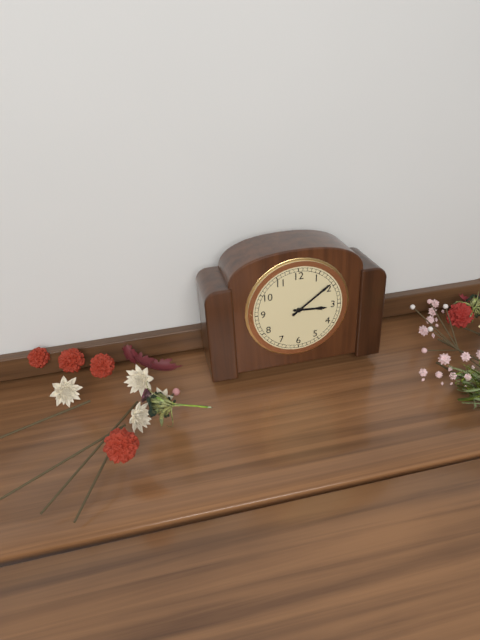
3 h 09 min
